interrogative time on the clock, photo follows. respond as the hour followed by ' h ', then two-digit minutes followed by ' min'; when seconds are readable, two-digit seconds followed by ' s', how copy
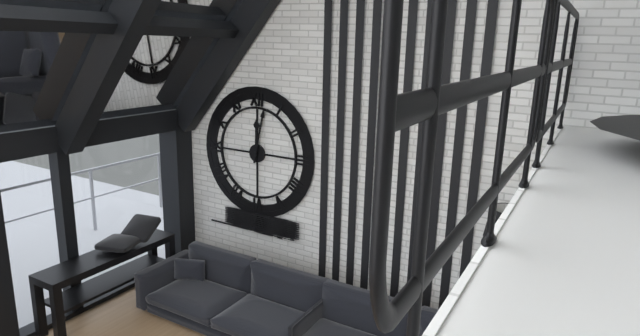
12 h 02 min
